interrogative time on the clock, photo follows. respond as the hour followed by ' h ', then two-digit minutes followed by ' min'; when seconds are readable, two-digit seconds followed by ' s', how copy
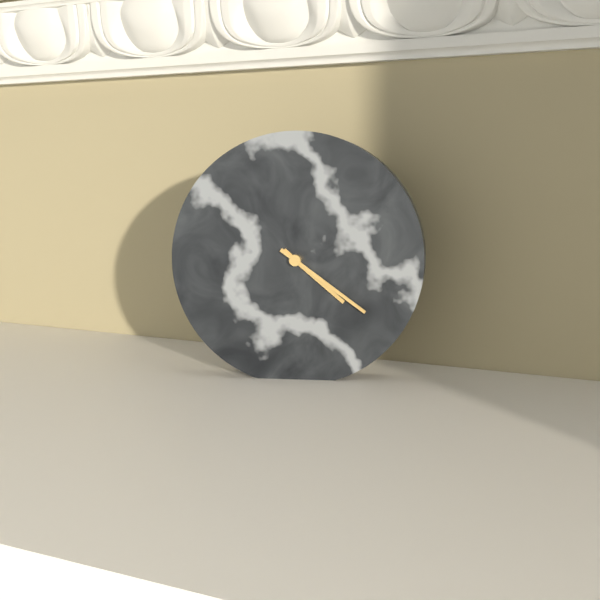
4 h 21 min
